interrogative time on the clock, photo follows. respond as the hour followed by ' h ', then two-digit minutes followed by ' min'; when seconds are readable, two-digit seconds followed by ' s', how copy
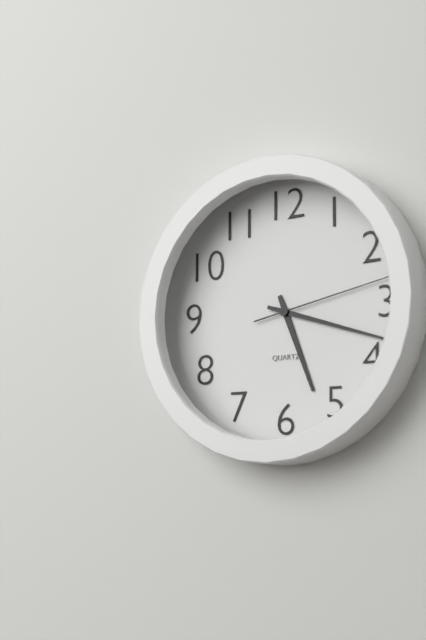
5 h 18 min 13 s
